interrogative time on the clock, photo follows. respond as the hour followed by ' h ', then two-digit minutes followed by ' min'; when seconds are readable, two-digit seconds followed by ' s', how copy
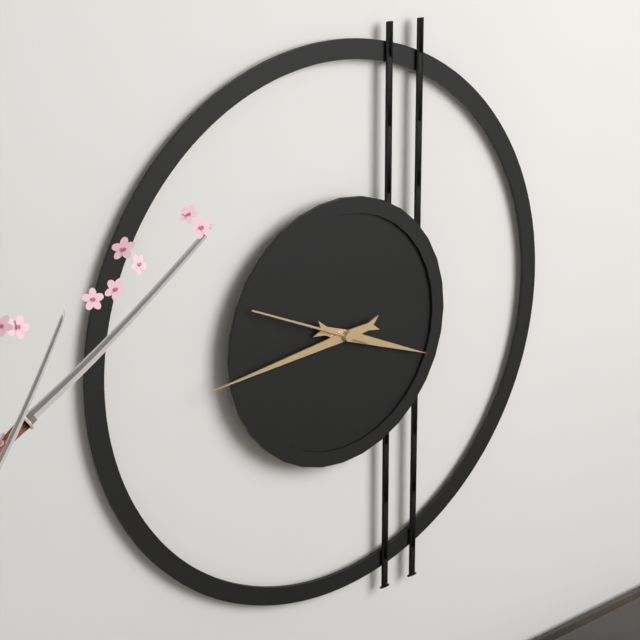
3 h 44 min 49 s
